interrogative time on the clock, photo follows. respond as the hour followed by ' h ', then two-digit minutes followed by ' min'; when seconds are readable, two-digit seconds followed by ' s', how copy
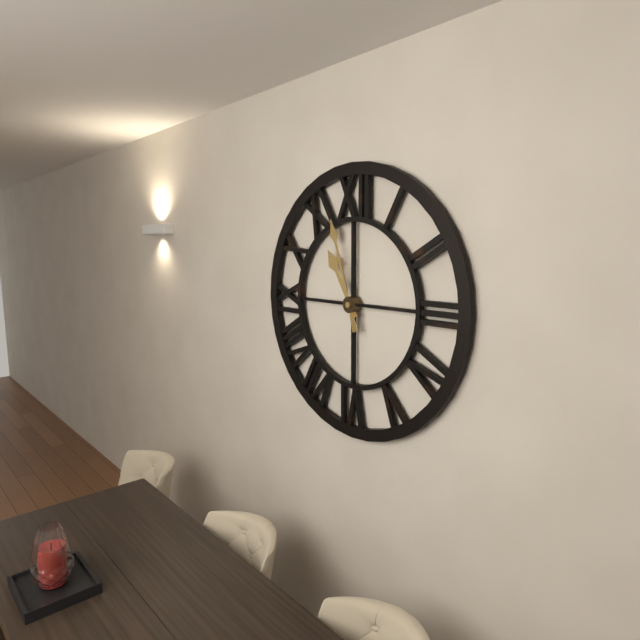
10 h 57 min
